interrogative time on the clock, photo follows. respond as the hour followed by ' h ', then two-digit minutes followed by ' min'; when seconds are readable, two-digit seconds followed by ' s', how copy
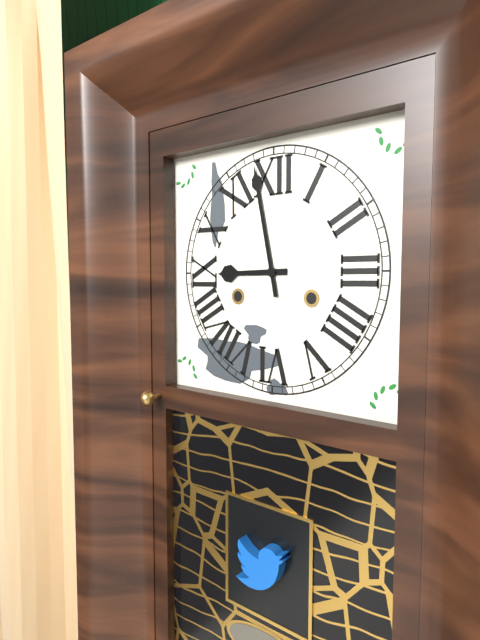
8 h 58 min
